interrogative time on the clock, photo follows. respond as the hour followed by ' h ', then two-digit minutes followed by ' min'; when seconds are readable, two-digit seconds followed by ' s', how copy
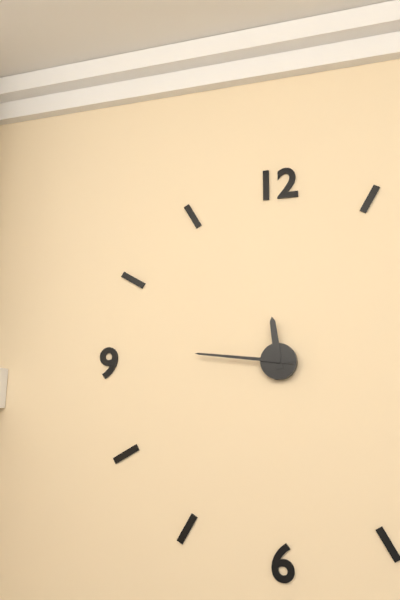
11 h 46 min
